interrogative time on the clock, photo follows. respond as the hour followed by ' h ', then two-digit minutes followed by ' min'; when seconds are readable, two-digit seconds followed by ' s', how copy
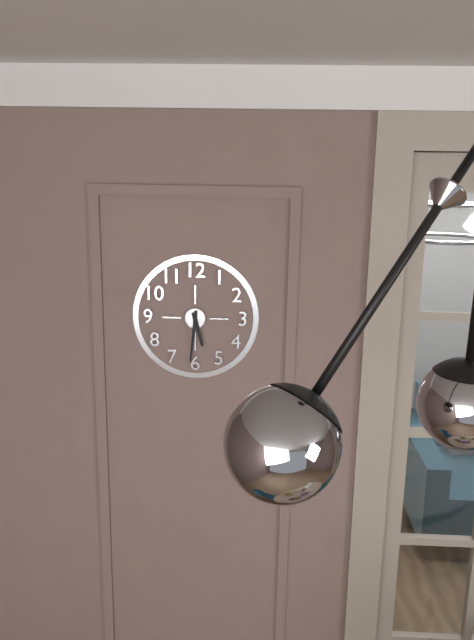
5 h 31 min
